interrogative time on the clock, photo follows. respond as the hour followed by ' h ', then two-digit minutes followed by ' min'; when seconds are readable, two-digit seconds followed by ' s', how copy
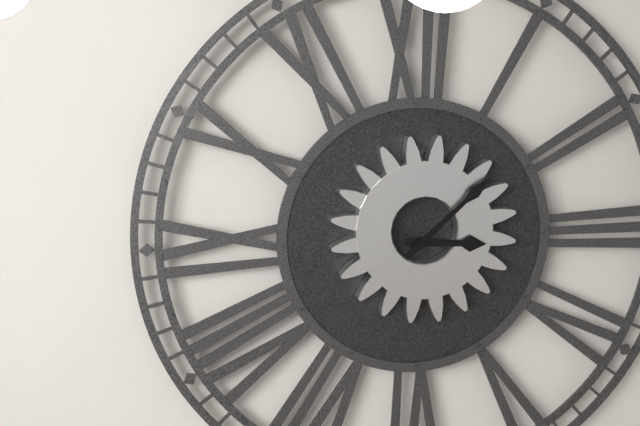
3 h 08 min
